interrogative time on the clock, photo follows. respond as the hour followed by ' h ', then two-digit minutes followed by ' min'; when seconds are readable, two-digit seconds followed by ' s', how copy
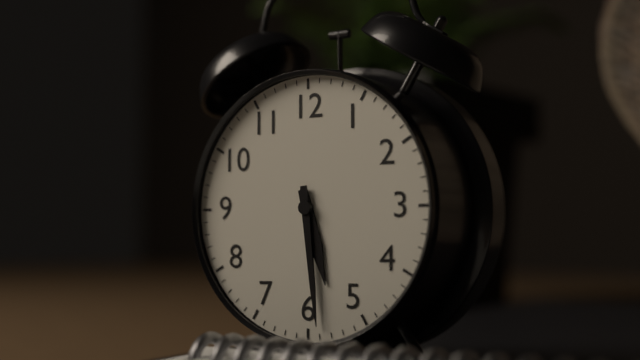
5 h 29 min
